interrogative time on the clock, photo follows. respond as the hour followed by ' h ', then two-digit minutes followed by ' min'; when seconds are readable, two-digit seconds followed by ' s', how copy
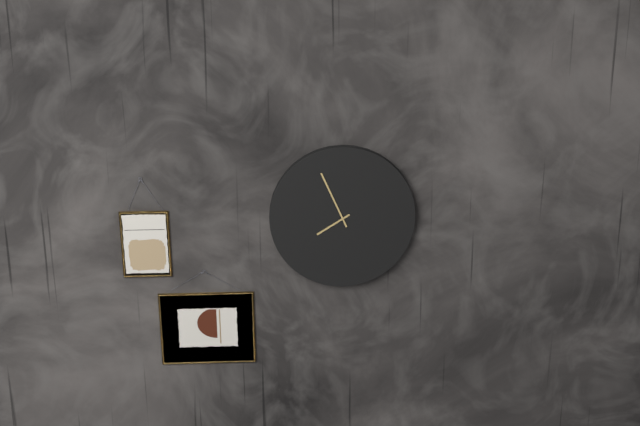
7 h 56 min
